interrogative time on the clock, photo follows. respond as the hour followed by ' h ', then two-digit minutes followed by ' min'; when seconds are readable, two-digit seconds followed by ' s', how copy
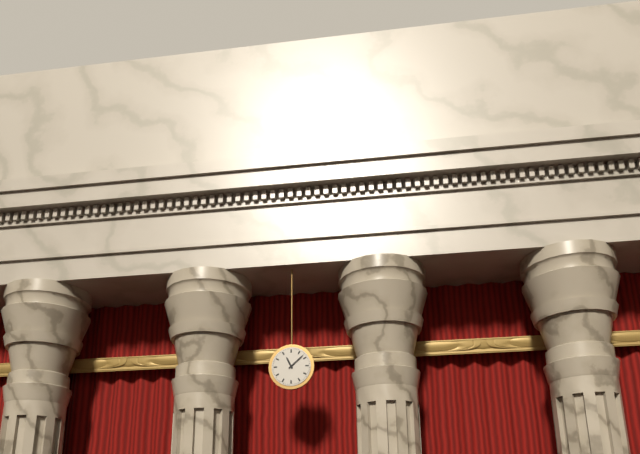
11 h 08 min
